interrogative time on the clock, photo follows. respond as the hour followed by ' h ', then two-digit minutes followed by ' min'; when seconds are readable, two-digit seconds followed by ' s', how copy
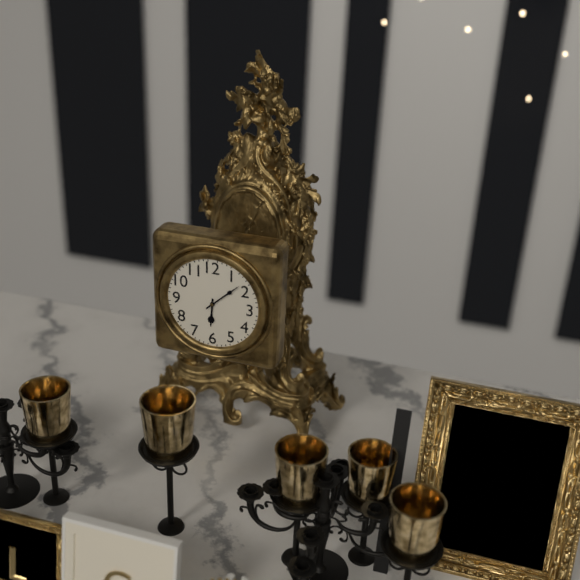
6 h 08 min
